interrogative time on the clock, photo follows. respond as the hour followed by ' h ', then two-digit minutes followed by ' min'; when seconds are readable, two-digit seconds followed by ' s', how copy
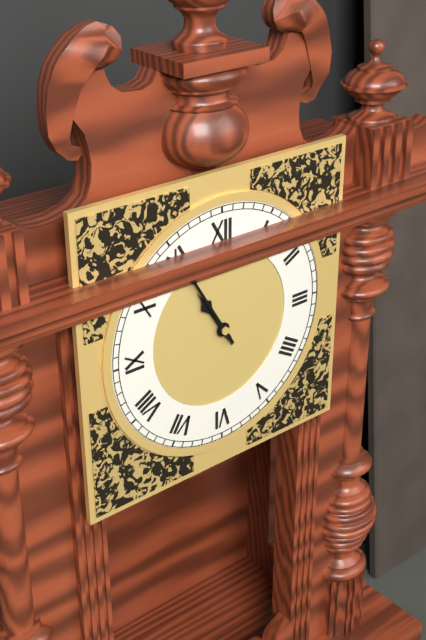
10 h 55 min
